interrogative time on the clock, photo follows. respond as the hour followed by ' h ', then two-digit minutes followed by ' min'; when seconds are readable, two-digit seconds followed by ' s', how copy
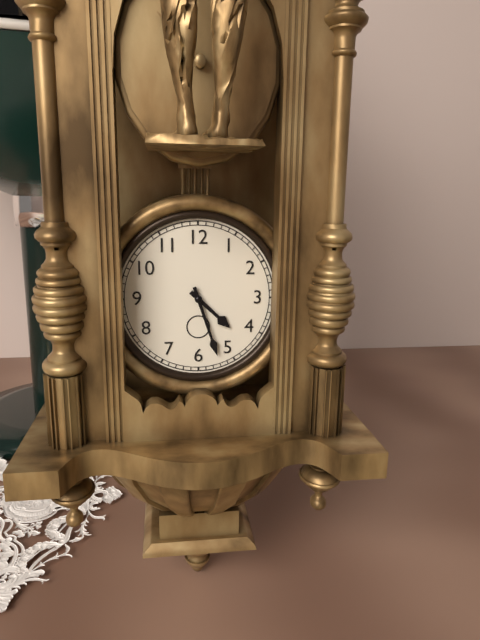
4 h 27 min
